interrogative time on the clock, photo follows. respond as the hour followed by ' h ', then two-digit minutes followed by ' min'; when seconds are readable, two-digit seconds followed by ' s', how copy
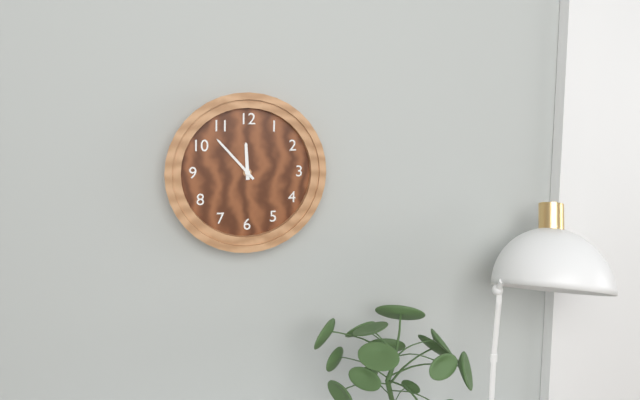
11 h 53 min
